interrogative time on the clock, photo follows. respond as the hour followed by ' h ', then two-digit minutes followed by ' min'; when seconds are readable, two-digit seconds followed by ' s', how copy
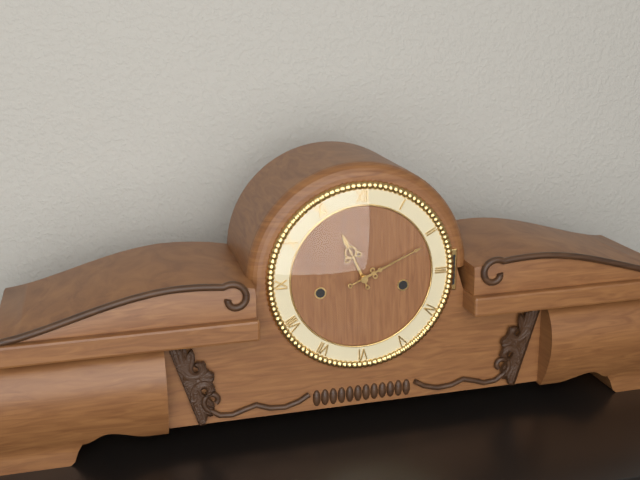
11 h 11 min
